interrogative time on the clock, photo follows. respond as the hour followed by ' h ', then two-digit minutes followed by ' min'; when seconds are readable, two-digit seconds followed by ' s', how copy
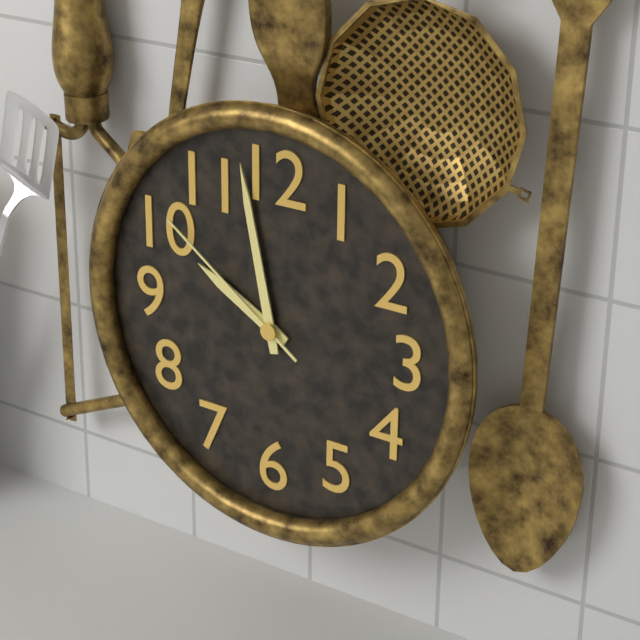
9 h 58 min 51 s
